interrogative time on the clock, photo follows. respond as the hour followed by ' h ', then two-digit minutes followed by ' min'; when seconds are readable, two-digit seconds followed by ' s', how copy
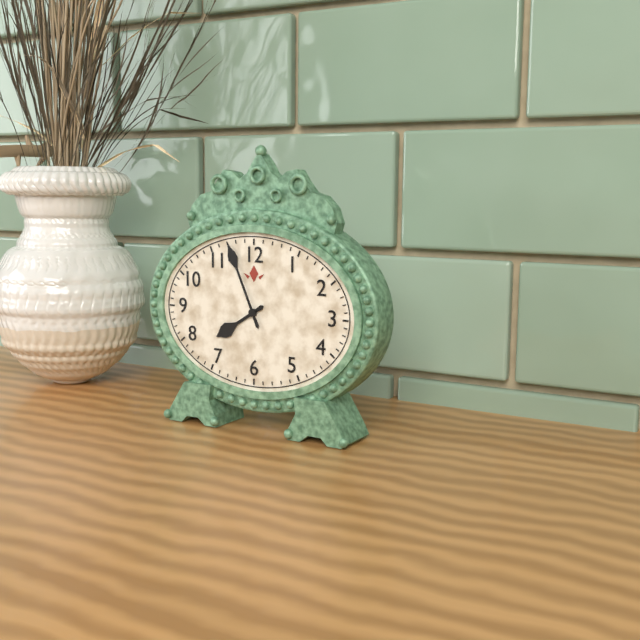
7 h 56 min
